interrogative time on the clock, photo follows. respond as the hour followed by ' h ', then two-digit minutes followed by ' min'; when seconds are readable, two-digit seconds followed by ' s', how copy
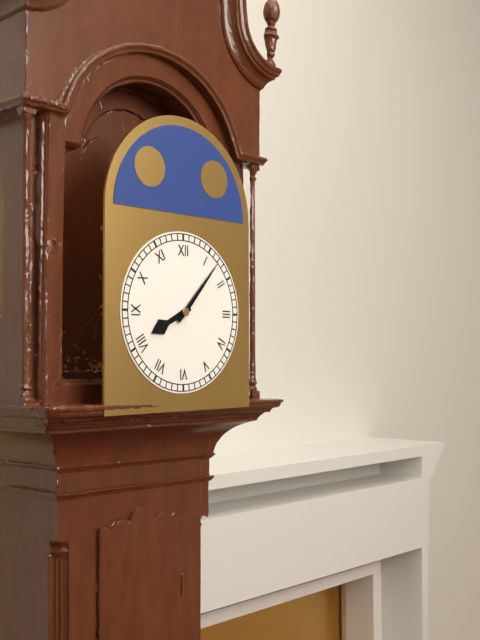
8 h 07 min
